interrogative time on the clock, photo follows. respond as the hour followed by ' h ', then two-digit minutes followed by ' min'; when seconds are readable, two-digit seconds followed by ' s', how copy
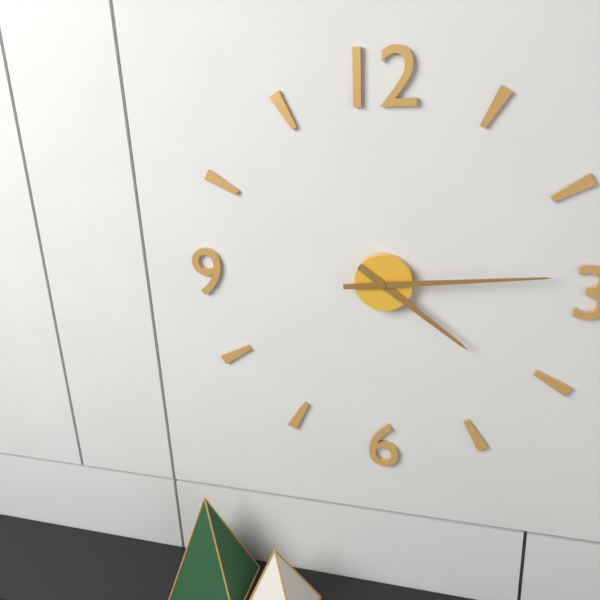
4 h 14 min
